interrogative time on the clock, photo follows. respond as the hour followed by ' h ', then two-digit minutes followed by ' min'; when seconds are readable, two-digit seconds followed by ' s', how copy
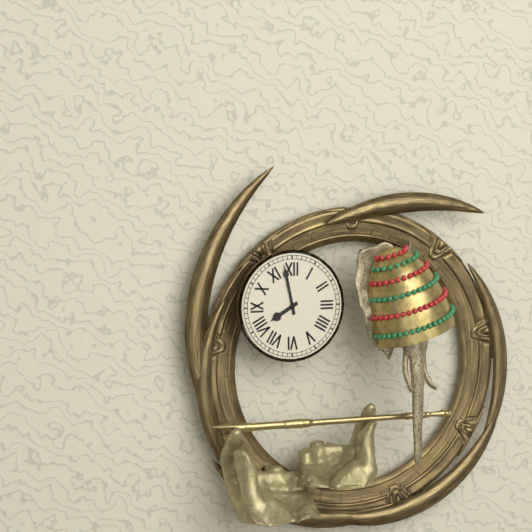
7 h 58 min
